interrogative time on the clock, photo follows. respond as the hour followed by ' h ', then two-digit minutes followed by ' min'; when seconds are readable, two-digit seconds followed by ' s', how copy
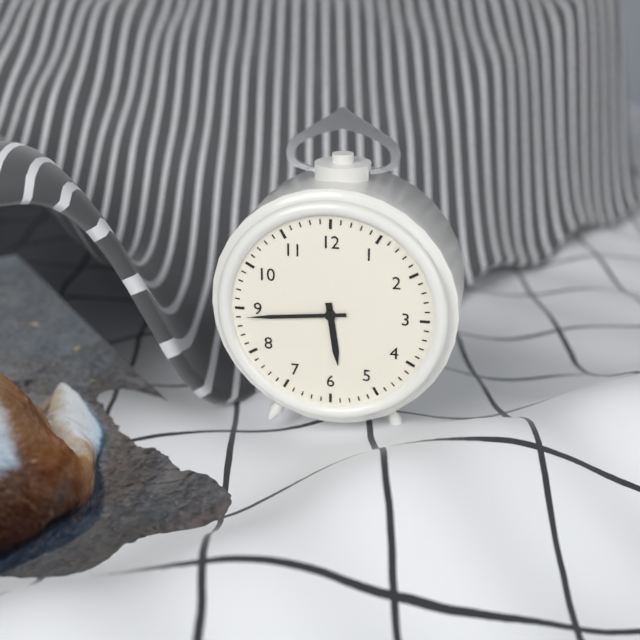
5 h 44 min
